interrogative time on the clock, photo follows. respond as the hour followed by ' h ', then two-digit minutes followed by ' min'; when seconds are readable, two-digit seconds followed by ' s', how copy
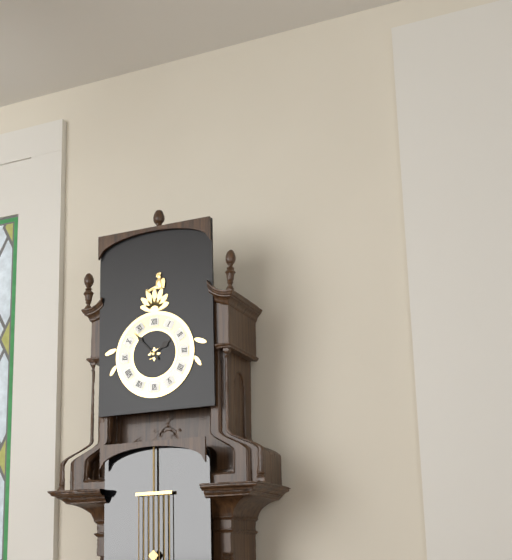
1 h 53 min
